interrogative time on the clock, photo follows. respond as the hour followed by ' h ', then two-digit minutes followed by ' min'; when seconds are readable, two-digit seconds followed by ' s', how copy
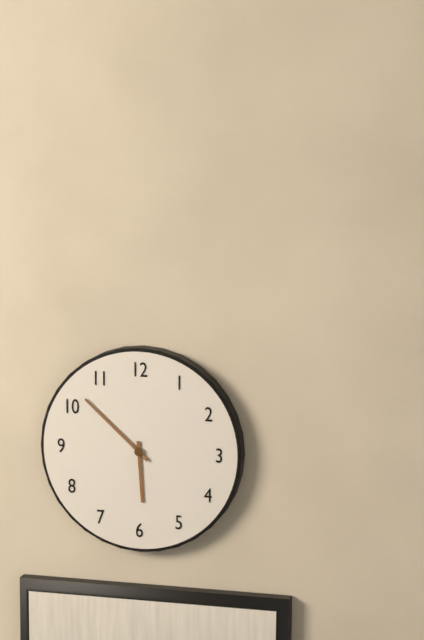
5 h 52 min
